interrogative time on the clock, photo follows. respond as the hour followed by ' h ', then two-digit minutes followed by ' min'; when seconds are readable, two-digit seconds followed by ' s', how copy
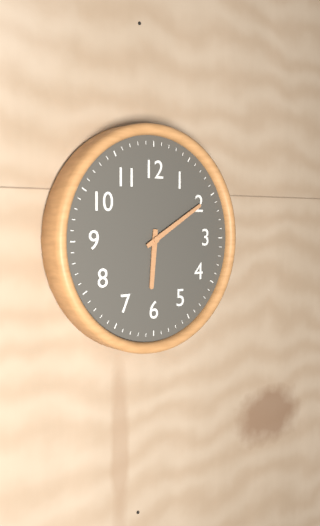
6 h 10 min
